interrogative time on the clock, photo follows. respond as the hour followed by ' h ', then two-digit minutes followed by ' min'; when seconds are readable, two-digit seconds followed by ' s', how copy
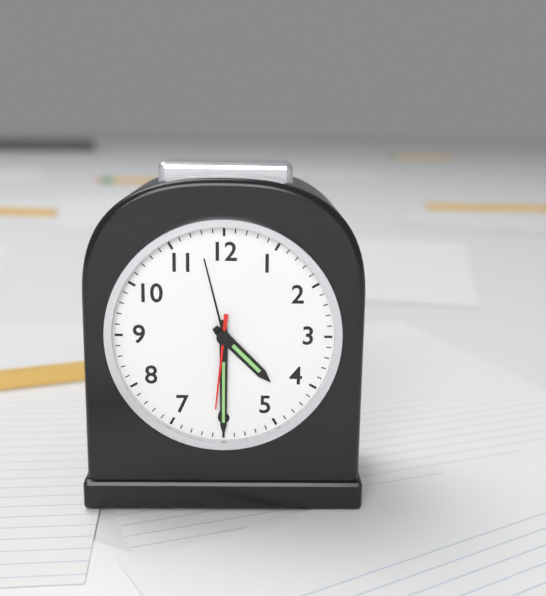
4 h 30 min 31 s
